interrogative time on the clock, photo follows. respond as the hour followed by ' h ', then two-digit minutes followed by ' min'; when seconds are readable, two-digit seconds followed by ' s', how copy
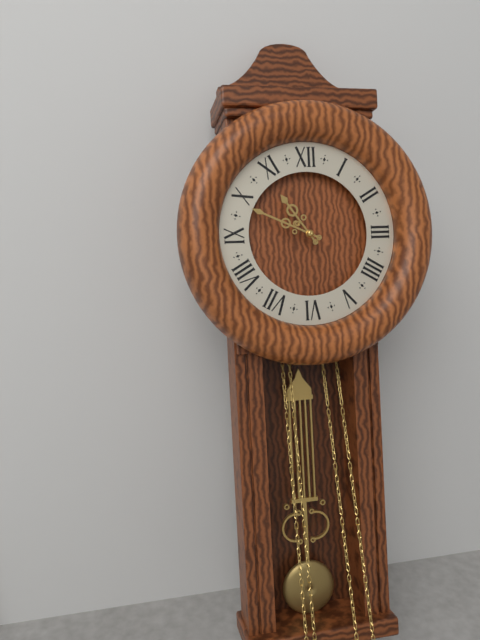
10 h 49 min
